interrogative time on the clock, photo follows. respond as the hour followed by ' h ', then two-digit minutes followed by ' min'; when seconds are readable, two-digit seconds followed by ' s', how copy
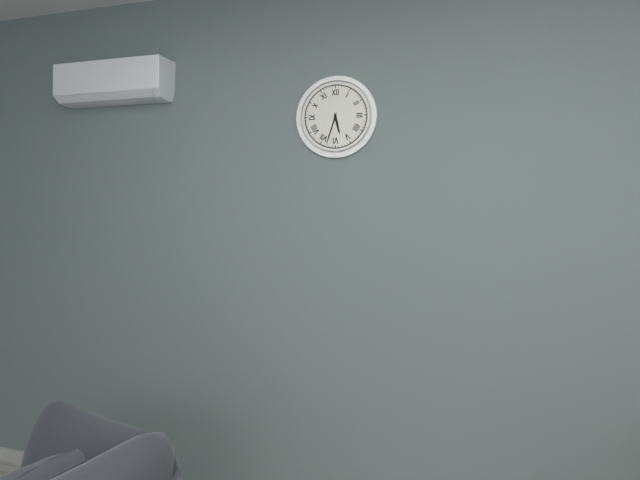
5 h 33 min
